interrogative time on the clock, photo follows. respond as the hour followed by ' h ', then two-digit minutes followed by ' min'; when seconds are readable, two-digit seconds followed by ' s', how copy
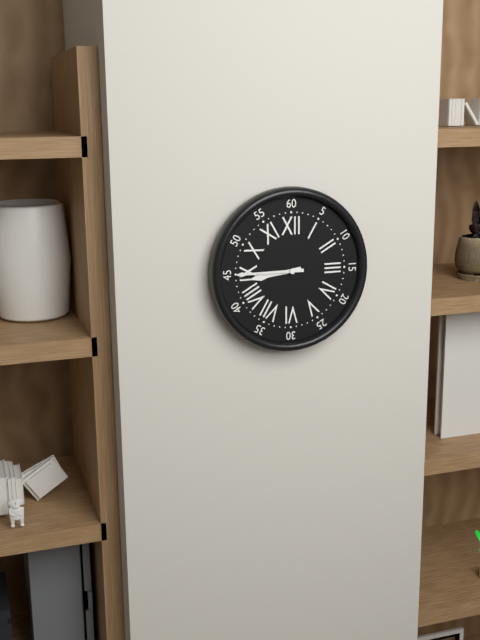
8 h 45 min
